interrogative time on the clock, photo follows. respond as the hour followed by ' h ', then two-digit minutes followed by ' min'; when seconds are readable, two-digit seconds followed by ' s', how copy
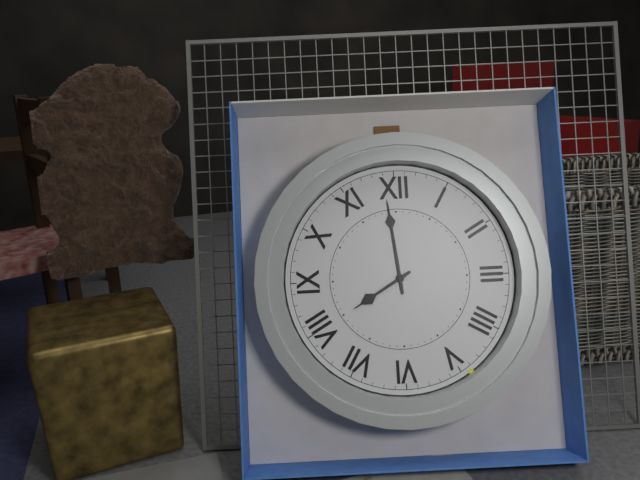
7 h 59 min
